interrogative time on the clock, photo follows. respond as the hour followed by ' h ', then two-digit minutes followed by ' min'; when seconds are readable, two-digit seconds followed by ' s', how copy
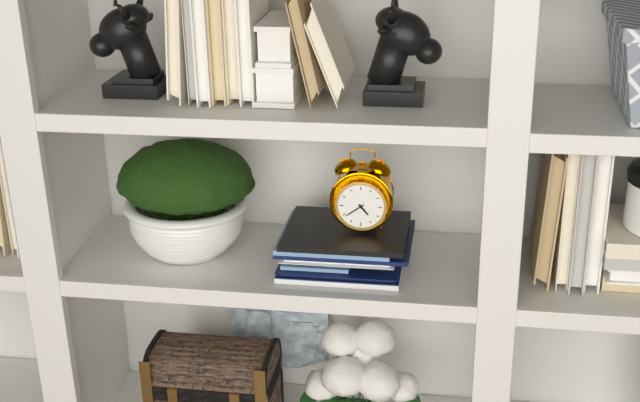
4 h 39 min
